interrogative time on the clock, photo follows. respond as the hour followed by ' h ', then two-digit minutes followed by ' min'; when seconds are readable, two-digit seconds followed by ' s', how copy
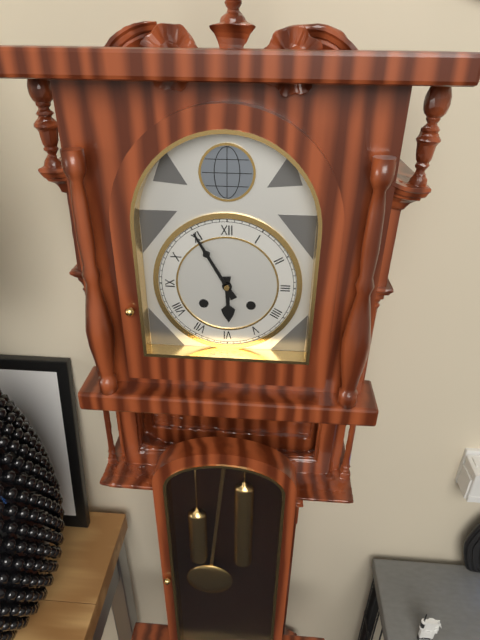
5 h 55 min
